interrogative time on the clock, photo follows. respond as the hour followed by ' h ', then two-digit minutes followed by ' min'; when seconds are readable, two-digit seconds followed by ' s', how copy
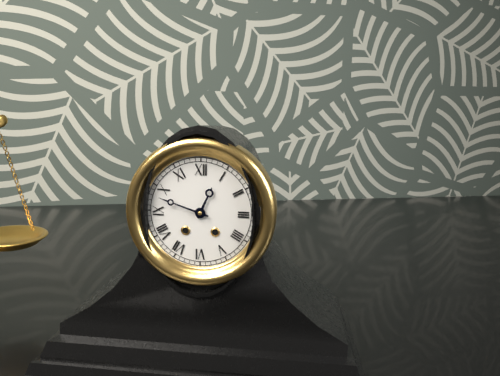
12 h 48 min
